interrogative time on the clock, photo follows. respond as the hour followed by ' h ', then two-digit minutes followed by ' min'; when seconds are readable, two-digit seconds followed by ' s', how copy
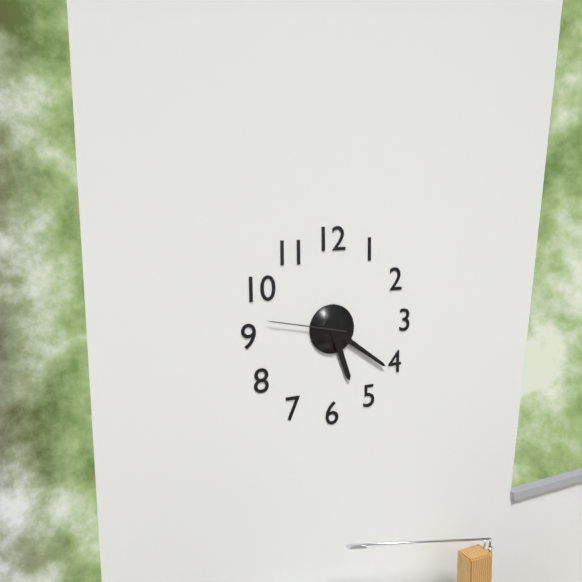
5 h 21 min 47 s
